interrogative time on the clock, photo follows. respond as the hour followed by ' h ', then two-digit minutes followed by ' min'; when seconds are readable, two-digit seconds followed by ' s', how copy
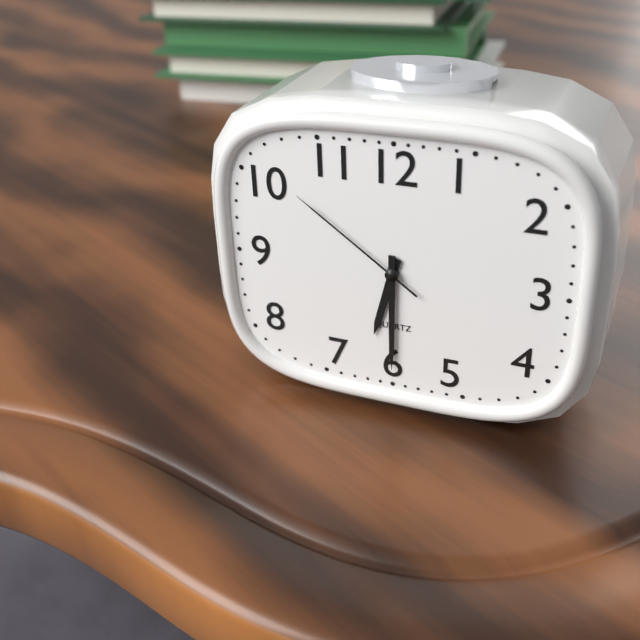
6 h 30 min 51 s
